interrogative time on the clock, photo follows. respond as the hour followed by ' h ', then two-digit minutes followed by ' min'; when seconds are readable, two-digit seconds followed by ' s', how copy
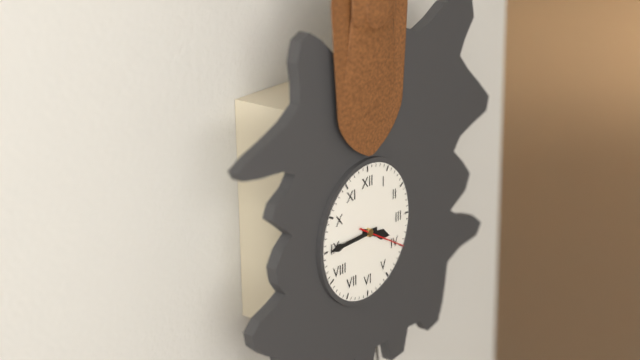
3 h 45 min
